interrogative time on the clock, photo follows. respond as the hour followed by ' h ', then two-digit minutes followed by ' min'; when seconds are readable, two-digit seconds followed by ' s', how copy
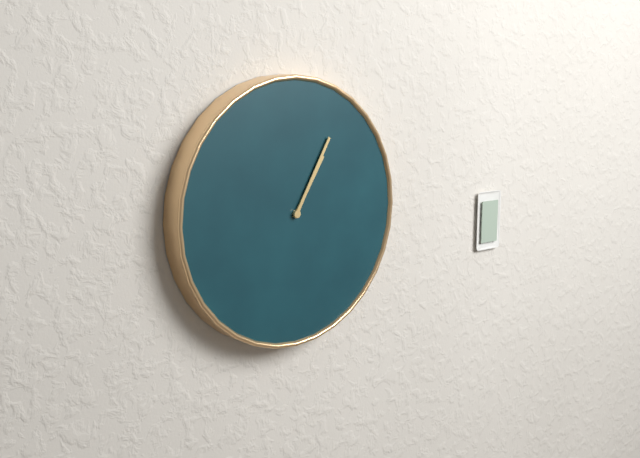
1 h 05 min
